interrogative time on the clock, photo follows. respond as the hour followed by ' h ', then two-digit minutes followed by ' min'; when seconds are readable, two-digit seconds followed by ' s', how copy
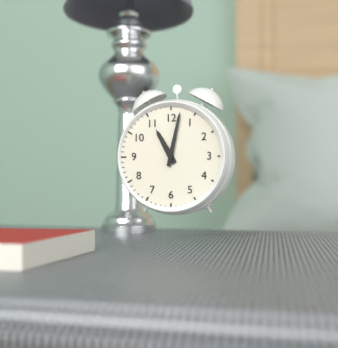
11 h 02 min
